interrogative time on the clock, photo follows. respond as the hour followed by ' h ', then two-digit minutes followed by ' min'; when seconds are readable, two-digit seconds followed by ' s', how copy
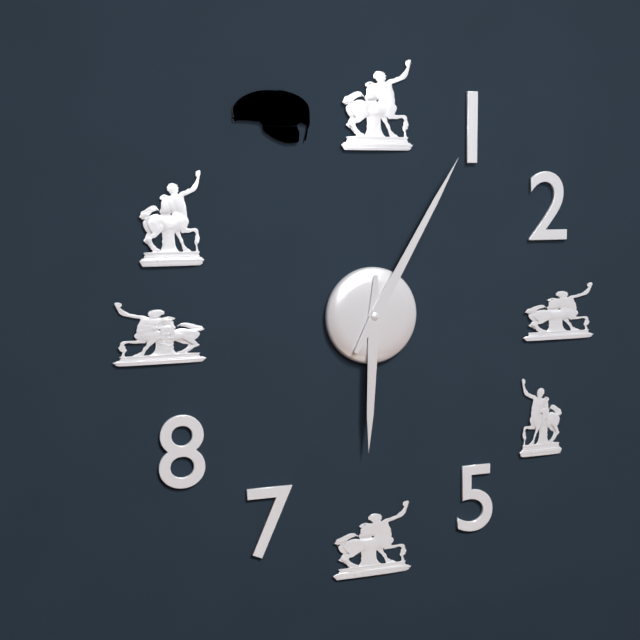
6 h 05 min
